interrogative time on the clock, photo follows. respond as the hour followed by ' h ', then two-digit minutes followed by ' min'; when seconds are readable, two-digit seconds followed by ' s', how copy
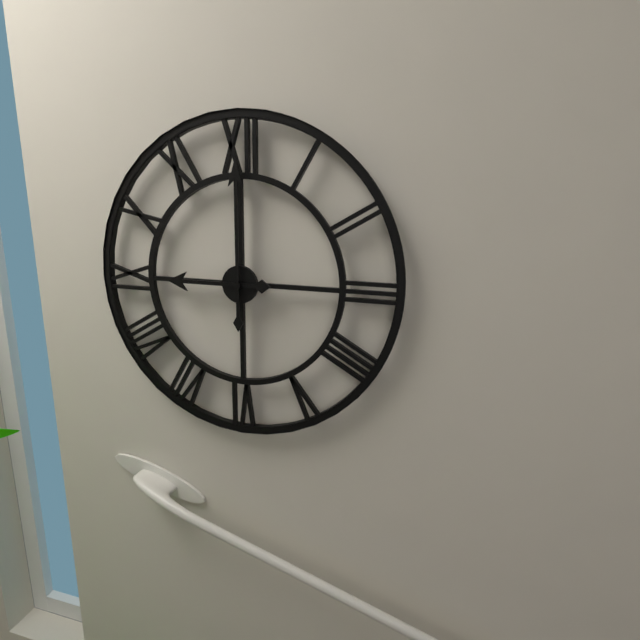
9 h 00 min
